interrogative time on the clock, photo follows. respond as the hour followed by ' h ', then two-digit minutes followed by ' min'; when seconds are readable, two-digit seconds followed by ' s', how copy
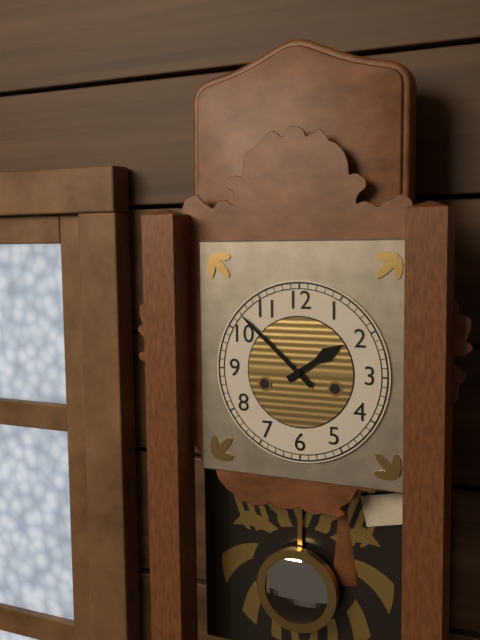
1 h 52 min
